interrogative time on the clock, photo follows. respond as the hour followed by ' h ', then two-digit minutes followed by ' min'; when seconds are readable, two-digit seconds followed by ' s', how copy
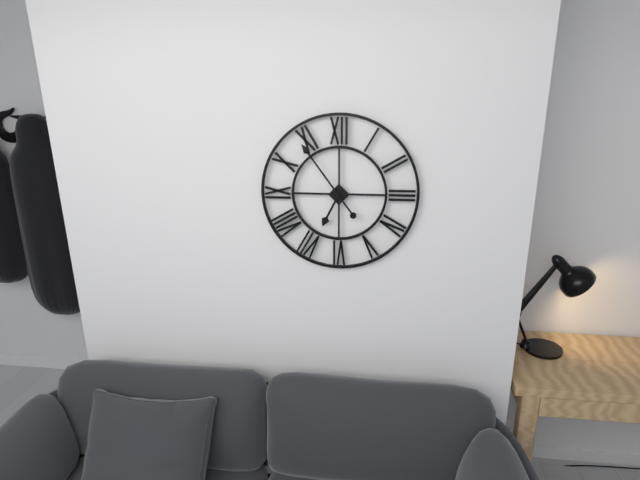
6 h 54 min
